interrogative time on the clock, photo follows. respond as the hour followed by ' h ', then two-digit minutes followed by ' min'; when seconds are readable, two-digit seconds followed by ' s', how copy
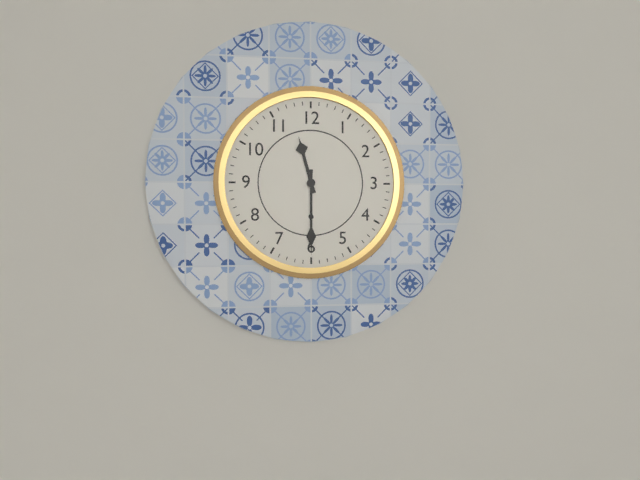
11 h 30 min
